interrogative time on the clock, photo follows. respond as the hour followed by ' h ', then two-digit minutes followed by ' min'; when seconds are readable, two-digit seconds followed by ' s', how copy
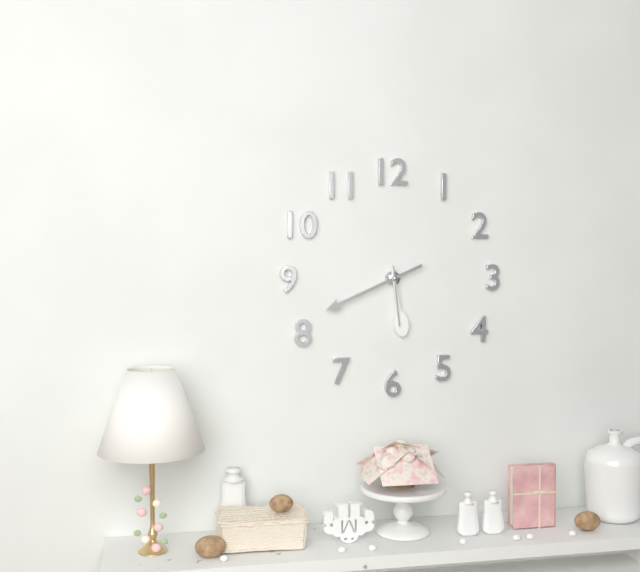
5 h 41 min 29 s
